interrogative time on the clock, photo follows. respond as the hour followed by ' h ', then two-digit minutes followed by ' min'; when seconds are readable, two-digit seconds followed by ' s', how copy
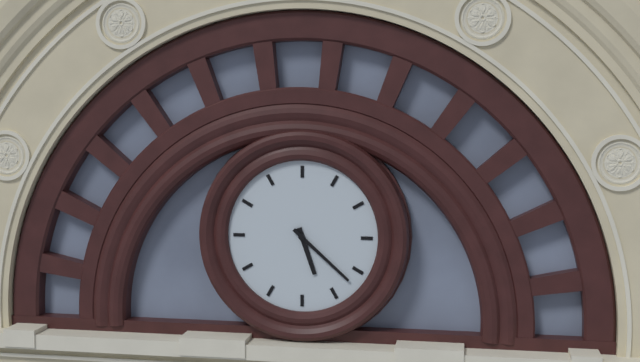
5 h 22 min
